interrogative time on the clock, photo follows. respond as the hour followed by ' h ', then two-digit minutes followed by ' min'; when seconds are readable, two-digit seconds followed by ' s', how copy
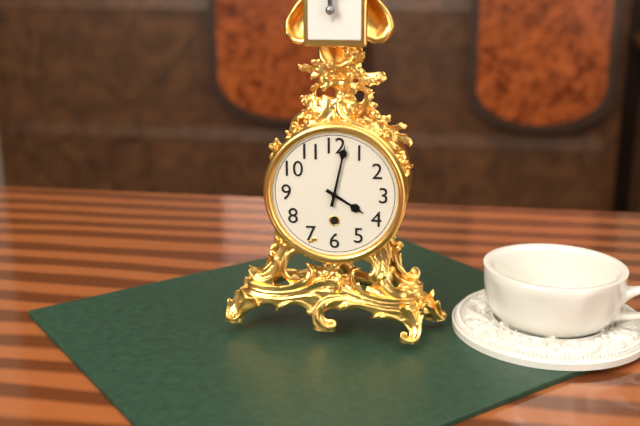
4 h 02 min
